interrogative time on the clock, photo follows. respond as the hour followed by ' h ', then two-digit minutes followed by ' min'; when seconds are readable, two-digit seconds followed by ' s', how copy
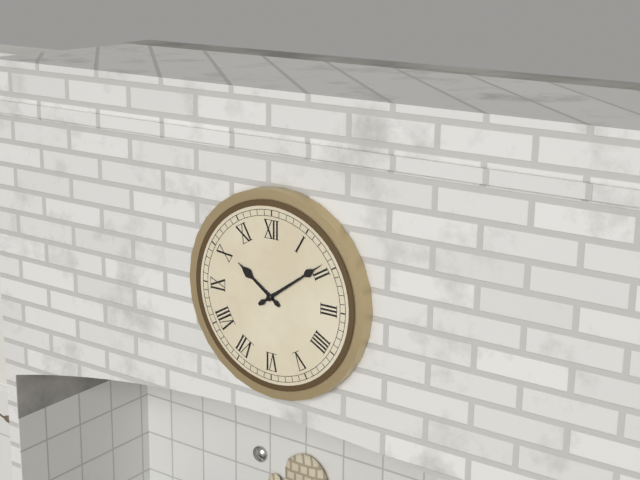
10 h 09 min
